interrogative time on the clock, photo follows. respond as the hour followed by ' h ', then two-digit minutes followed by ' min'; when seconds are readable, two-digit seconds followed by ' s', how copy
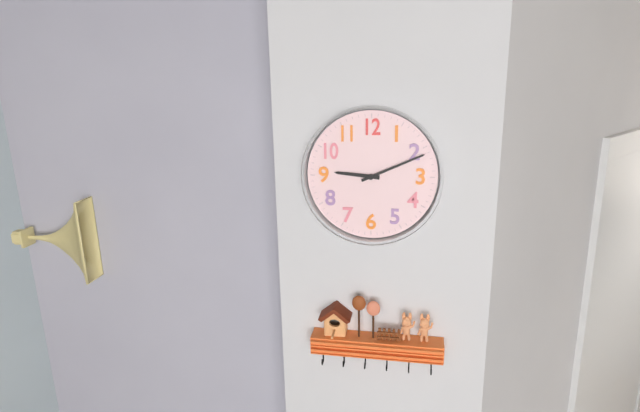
9 h 11 min
